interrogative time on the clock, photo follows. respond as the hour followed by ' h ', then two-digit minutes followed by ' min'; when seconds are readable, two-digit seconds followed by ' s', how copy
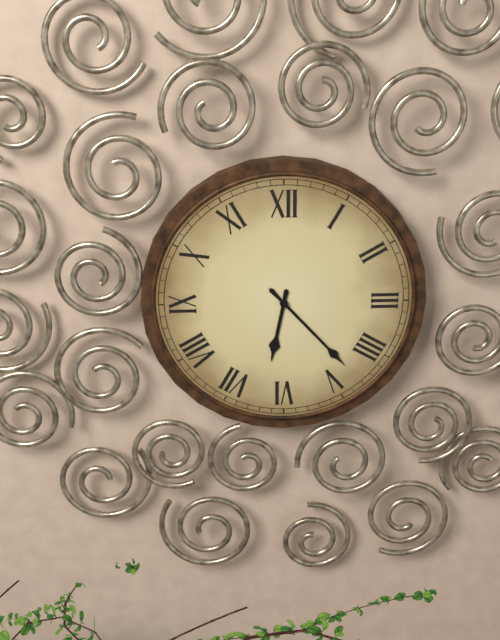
6 h 23 min
